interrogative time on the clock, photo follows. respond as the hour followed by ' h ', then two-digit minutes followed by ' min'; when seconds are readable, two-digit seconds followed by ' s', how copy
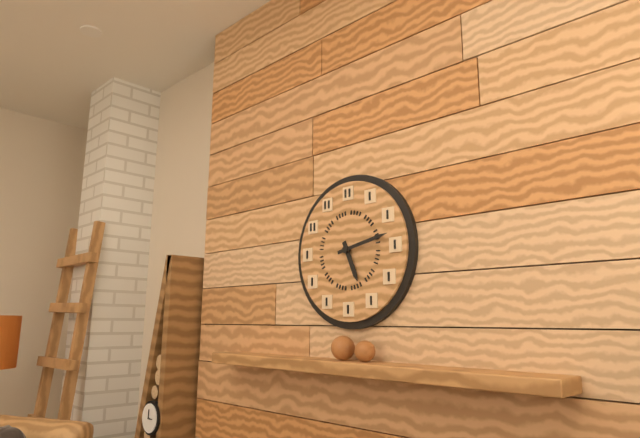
5 h 13 min
